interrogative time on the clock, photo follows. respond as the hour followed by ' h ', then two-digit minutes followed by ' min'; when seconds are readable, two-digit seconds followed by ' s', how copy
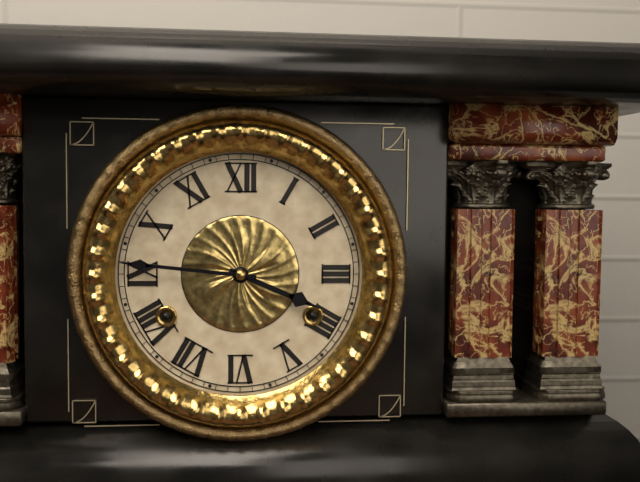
3 h 46 min
